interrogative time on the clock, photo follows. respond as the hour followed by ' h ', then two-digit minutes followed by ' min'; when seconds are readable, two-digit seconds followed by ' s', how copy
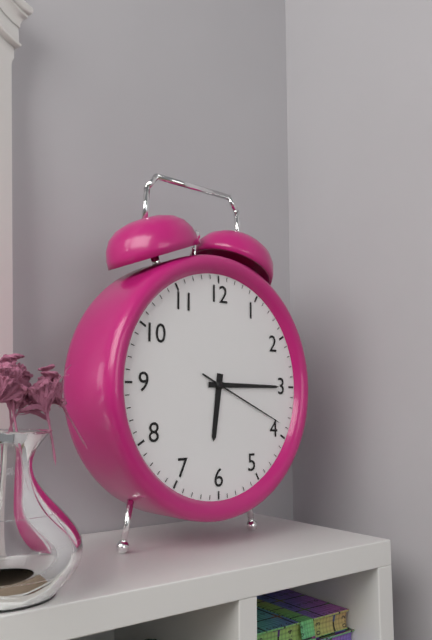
6 h 15 min 19 s
